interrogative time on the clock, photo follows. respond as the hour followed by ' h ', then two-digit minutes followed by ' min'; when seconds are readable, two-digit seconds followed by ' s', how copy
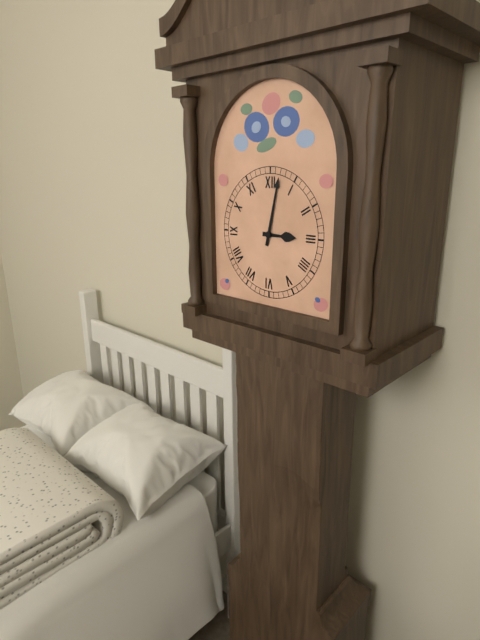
3 h 02 min
